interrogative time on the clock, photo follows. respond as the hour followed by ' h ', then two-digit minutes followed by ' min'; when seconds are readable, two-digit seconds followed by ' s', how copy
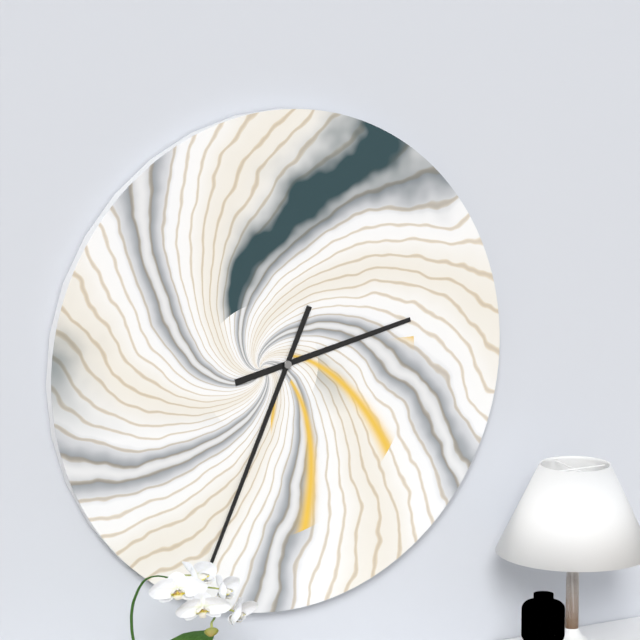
2 h 34 min
